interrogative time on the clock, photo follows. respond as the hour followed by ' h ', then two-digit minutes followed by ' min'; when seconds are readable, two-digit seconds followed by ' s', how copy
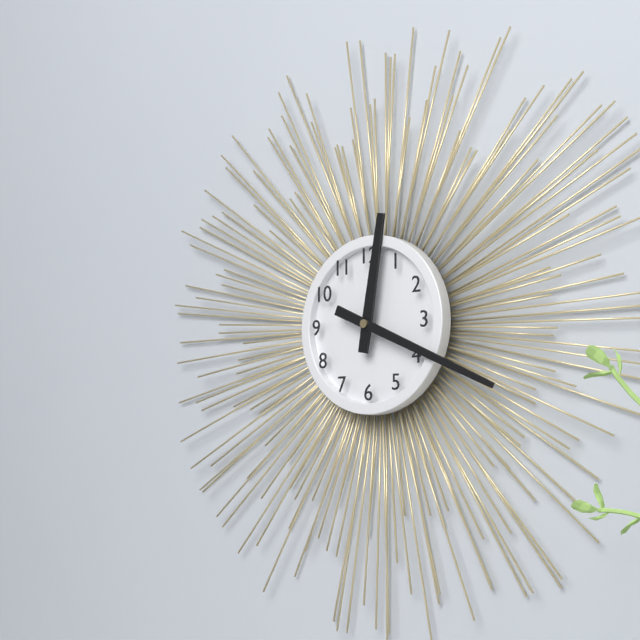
12 h 19 min
